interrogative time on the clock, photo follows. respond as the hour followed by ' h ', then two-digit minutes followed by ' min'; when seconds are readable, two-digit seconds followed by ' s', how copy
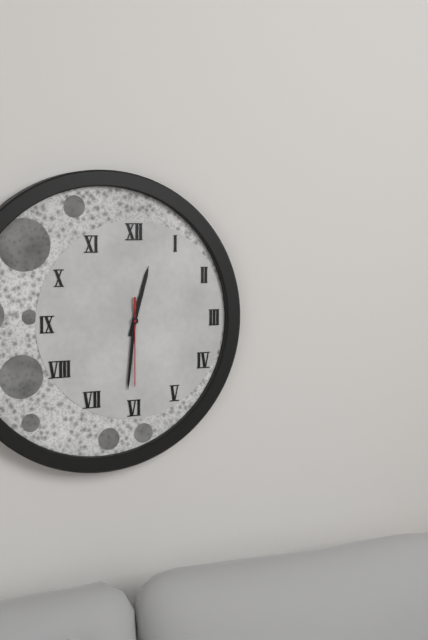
12 h 31 min 30 s
